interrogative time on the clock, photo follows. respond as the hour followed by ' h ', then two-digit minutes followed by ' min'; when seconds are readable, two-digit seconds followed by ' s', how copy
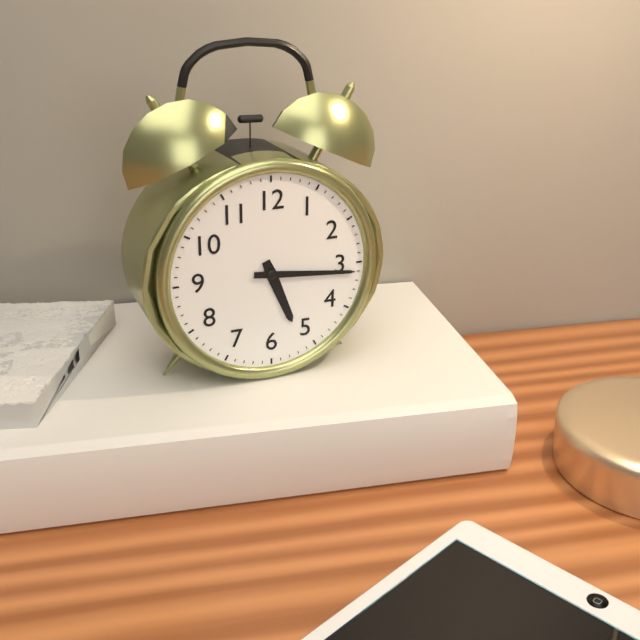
5 h 16 min
